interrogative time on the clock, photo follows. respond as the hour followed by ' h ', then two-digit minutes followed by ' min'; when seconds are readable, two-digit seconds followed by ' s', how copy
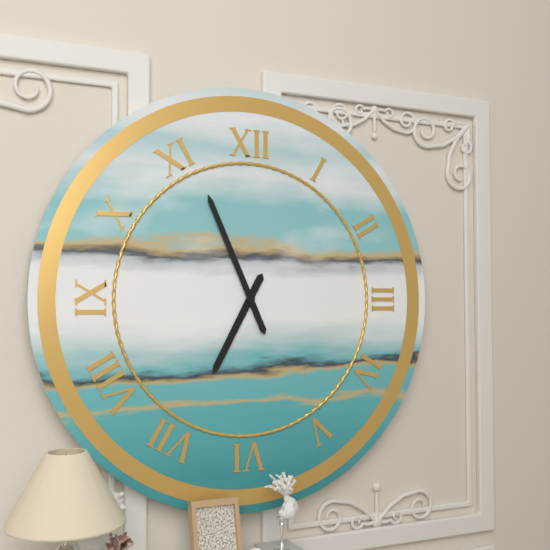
6 h 56 min
